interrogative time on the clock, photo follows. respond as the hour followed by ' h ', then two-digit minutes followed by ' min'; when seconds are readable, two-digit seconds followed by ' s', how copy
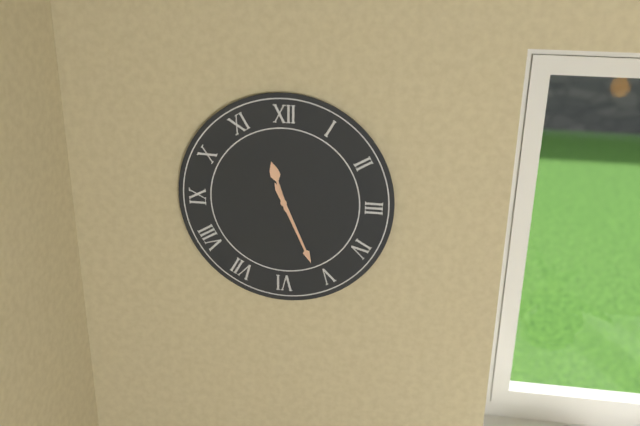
11 h 26 min
